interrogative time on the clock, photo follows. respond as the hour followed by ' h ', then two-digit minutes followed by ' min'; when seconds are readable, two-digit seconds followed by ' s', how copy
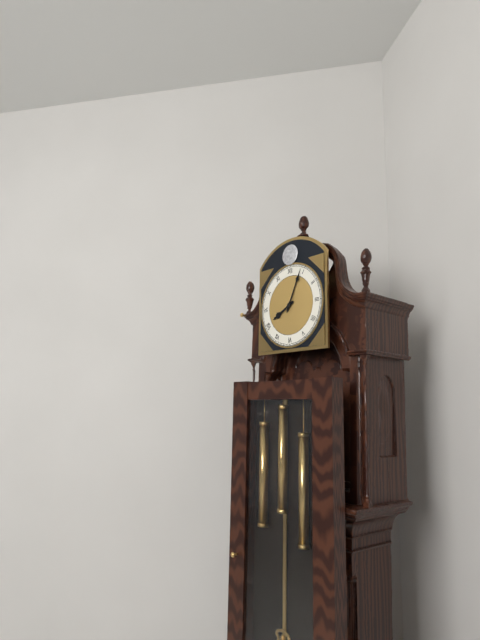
8 h 04 min
